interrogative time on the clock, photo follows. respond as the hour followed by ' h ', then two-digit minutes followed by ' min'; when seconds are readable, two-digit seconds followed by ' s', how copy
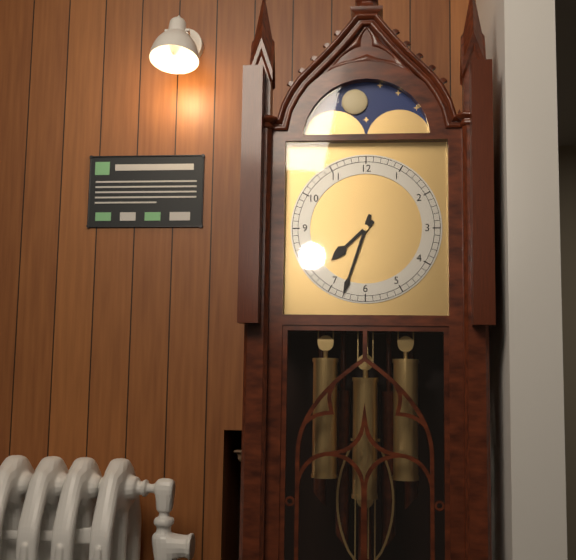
7 h 33 min
